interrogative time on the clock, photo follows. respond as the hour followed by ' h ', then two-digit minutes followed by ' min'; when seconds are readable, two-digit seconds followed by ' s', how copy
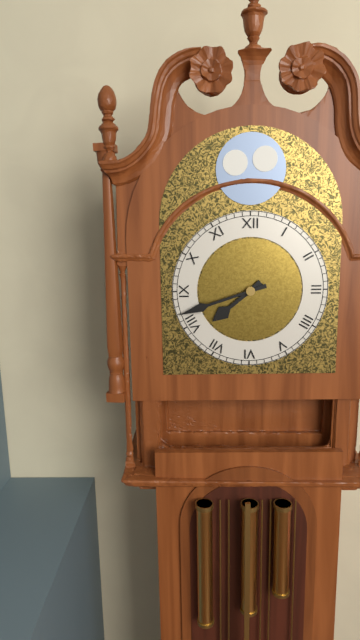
7 h 42 min
